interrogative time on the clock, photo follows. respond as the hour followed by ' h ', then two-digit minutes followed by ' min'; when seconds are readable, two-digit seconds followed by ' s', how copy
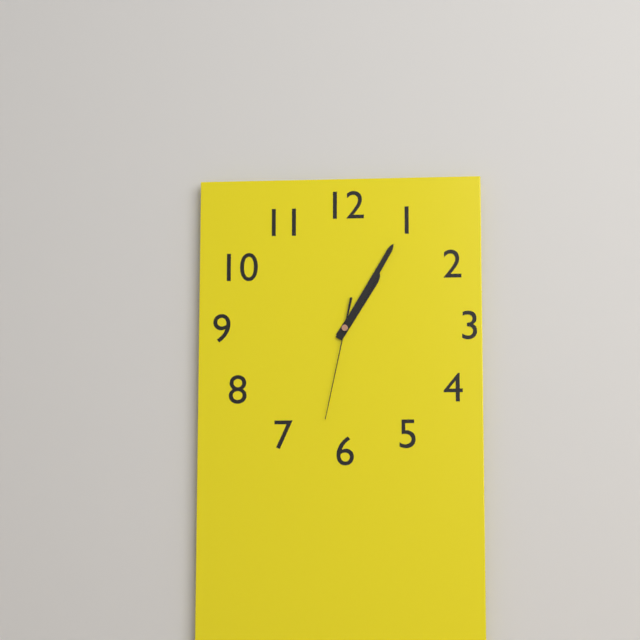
1 h 05 min 32 s
